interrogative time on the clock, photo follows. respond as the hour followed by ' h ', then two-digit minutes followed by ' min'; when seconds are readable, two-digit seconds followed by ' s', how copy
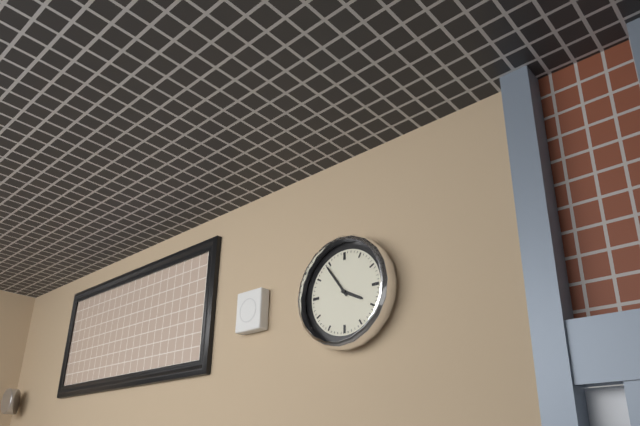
3 h 54 min
